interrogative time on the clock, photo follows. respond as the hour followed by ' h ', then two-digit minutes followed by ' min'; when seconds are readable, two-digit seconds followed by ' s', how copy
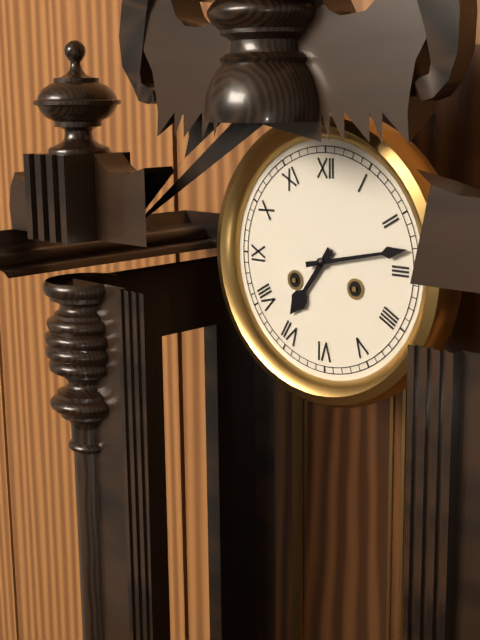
7 h 13 min
